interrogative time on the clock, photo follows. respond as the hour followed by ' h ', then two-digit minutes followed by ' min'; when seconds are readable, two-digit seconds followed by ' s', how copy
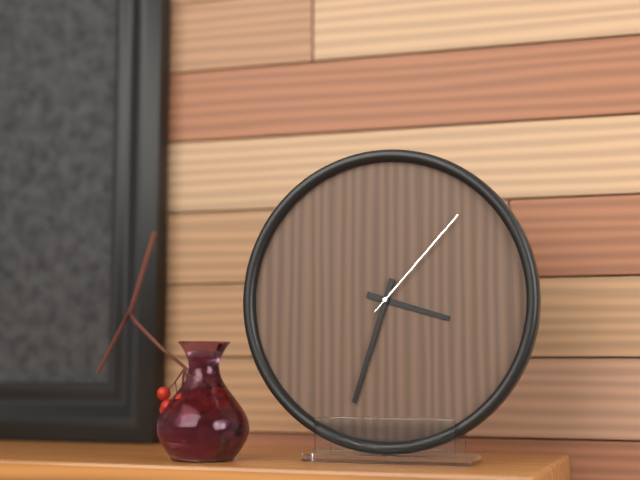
3 h 33 min 07 s
